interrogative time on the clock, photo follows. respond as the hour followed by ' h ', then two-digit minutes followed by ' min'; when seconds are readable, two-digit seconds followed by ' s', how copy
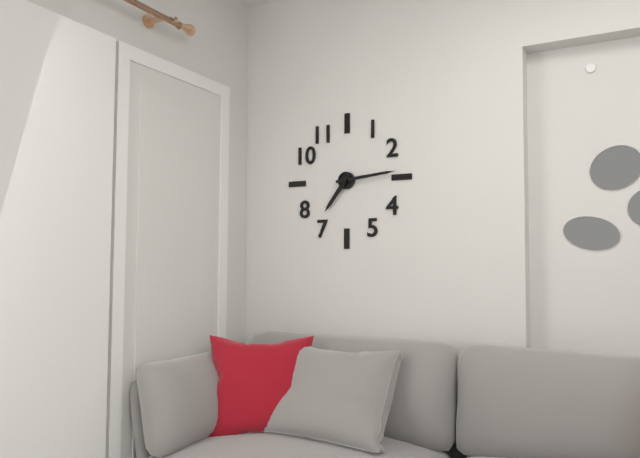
7 h 14 min
